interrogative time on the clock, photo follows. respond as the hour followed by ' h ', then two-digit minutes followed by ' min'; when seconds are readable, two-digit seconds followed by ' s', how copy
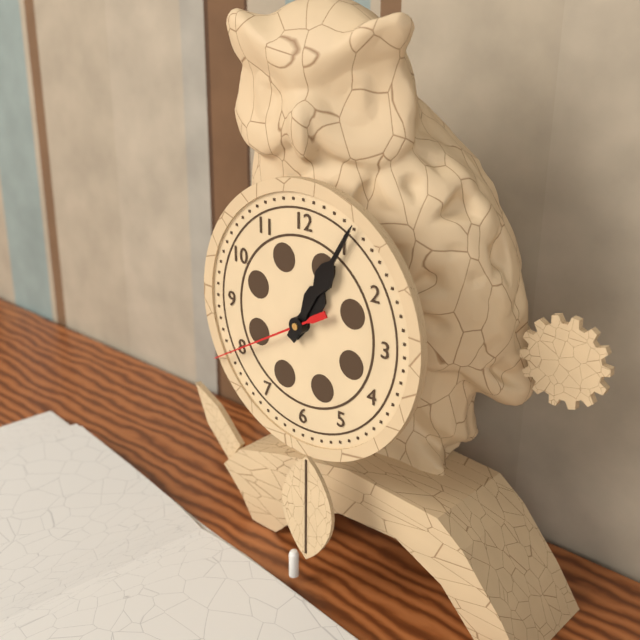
1 h 05 min 40 s
